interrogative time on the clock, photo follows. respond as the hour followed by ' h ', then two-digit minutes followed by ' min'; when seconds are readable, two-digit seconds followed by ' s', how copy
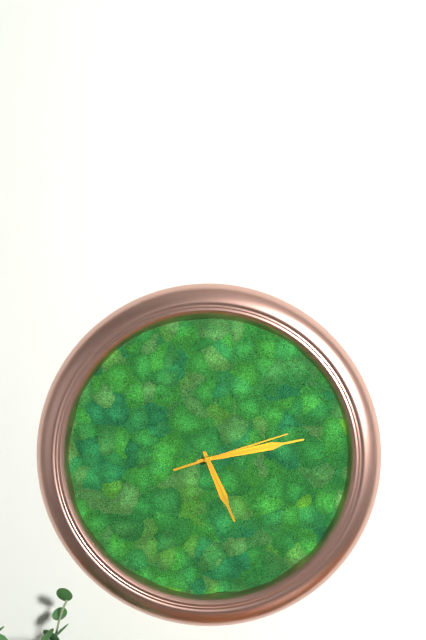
5 h 13 min 12 s
